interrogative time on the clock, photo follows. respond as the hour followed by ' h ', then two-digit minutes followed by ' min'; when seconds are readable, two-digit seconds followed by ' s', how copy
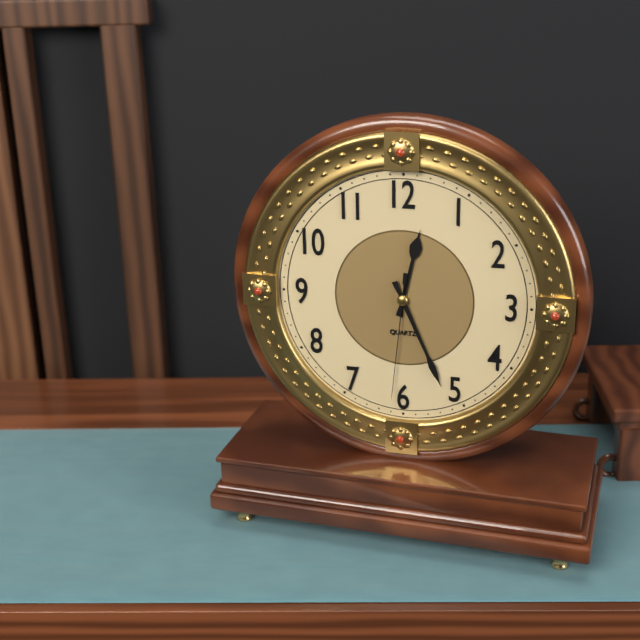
12 h 26 min 31 s
